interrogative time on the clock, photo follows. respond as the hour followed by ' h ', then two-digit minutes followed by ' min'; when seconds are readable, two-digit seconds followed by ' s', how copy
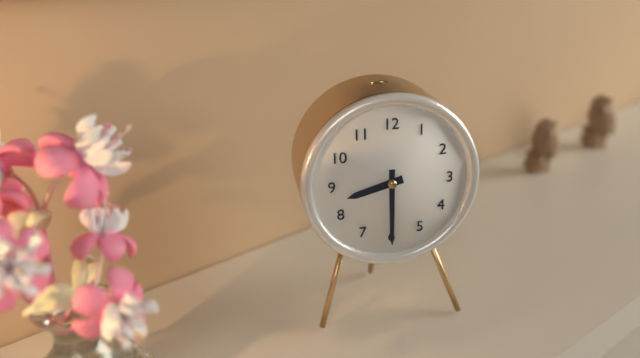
8 h 30 min
